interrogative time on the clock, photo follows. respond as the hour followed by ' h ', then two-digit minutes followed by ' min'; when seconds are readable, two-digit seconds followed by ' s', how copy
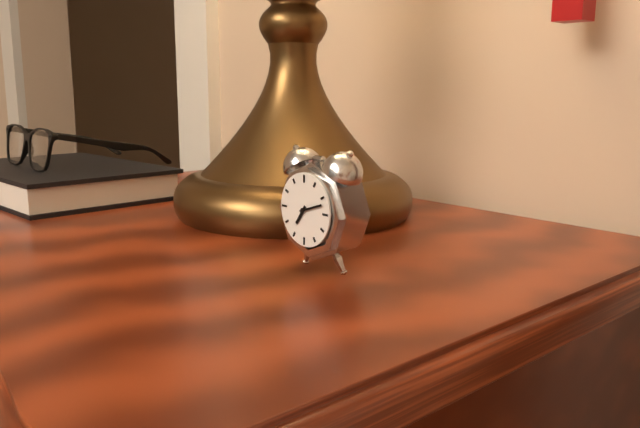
7 h 12 min
